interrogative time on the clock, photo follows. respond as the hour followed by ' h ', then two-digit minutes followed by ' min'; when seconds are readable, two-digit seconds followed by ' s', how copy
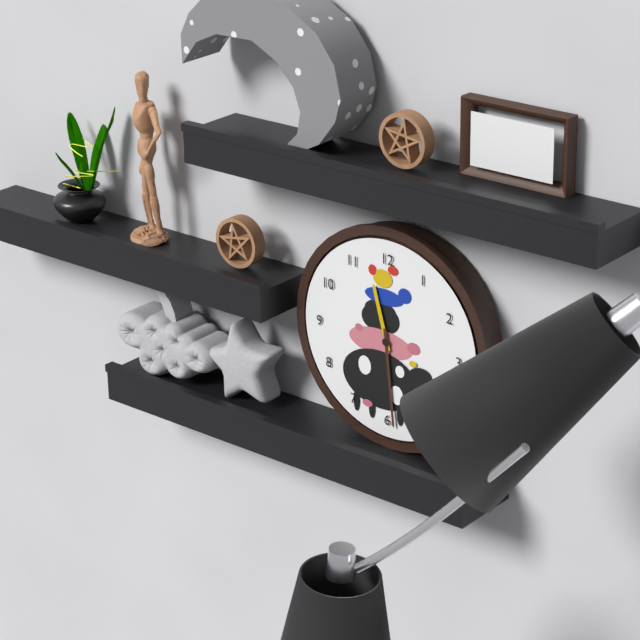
11 h 29 min
